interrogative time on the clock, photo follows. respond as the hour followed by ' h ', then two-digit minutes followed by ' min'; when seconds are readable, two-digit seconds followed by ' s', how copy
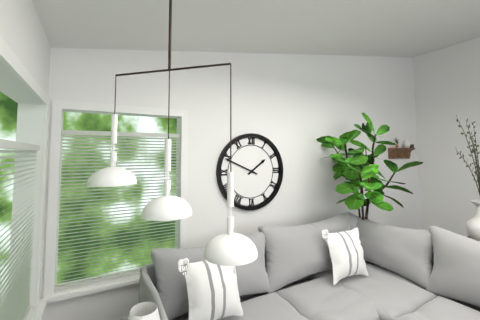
1 h 49 min
